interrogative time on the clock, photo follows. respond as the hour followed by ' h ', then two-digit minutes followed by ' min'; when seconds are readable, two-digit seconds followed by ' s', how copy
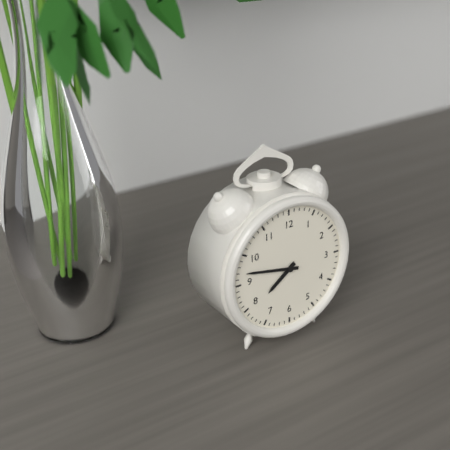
7 h 47 min
